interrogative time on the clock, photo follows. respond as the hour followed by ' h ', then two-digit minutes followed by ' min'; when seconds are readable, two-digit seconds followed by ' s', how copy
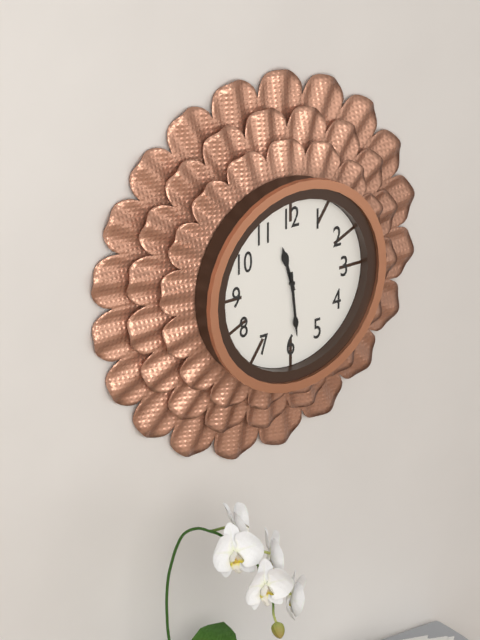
11 h 29 min
